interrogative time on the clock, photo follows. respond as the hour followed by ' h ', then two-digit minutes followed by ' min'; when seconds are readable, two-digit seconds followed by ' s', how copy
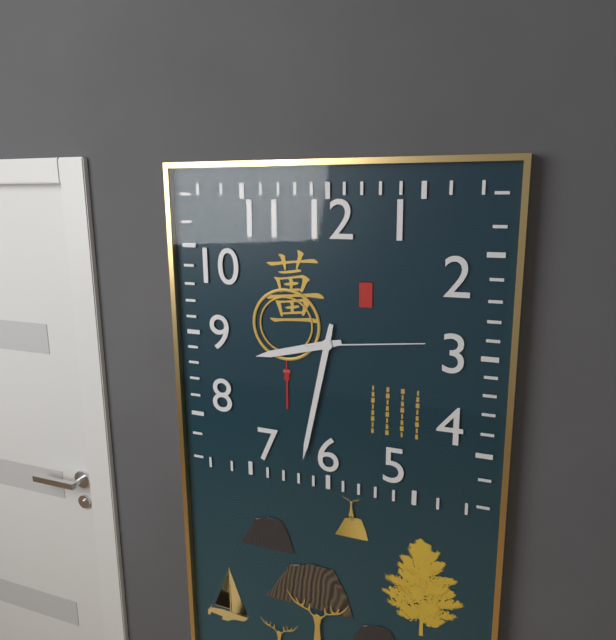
8 h 32 min 14 s
